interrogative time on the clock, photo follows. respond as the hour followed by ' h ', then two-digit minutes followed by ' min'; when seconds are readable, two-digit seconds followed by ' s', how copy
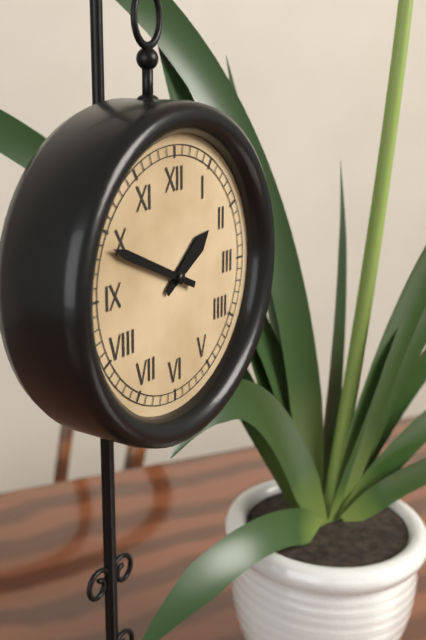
1 h 49 min
